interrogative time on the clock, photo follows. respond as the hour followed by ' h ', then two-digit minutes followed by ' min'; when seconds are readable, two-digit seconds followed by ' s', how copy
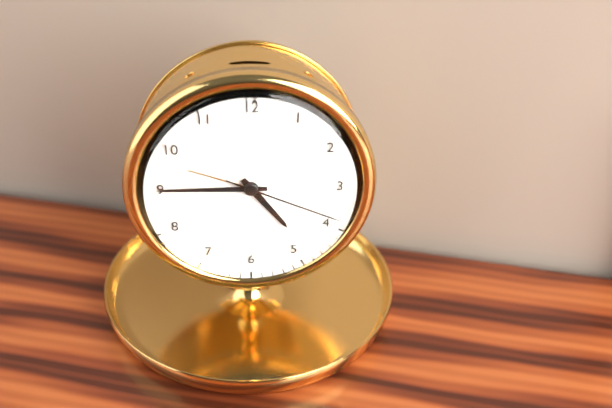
4 h 45 min 19 s
